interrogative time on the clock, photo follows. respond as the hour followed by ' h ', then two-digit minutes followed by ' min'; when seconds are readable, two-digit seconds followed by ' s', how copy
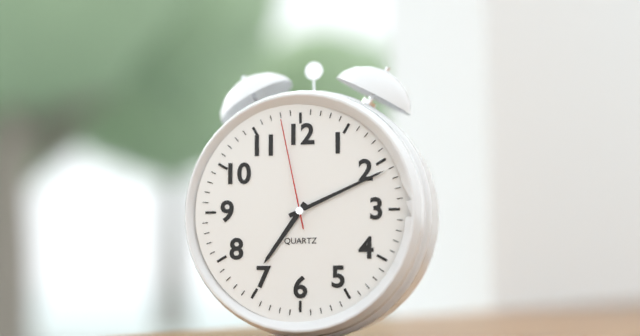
7 h 11 min 58 s
